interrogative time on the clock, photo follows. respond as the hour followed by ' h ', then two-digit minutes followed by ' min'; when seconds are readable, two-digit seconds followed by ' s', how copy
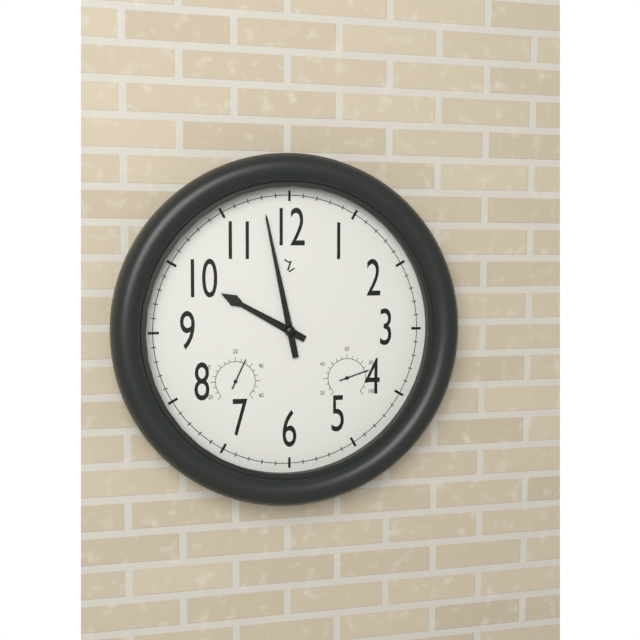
9 h 58 min
